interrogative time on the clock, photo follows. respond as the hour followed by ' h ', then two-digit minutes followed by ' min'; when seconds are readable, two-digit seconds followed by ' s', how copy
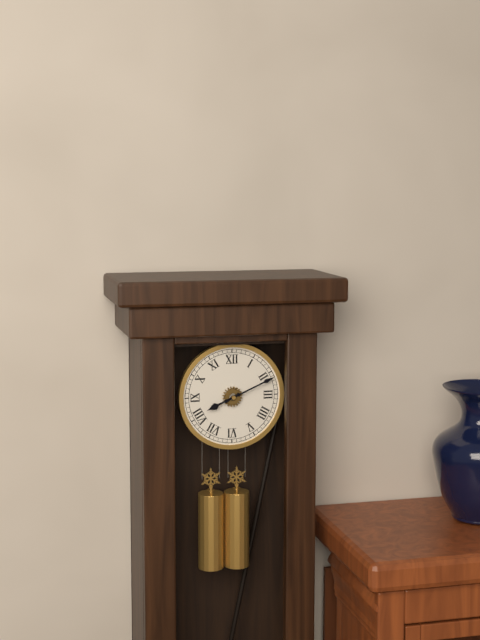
8 h 11 min
